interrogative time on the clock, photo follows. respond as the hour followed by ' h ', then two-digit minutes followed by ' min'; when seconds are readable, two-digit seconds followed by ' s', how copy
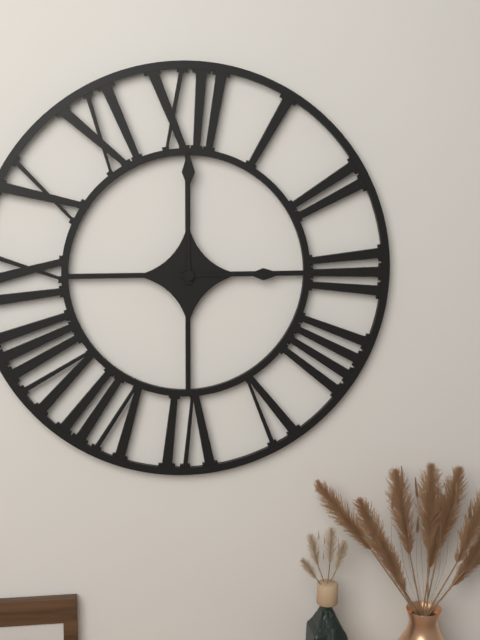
3 h 00 min
